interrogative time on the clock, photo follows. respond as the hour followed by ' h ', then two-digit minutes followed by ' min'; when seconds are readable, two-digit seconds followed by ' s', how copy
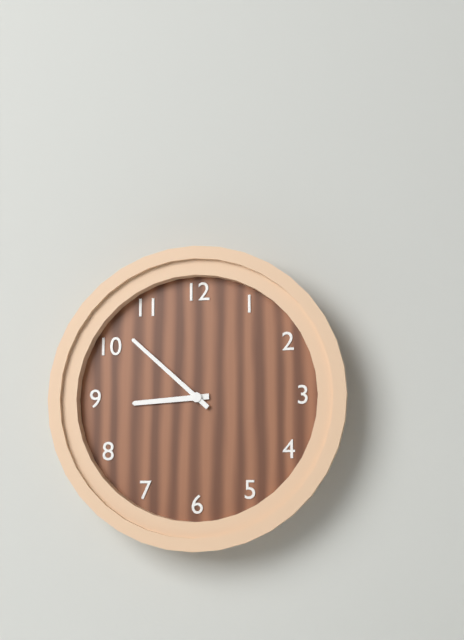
8 h 52 min
